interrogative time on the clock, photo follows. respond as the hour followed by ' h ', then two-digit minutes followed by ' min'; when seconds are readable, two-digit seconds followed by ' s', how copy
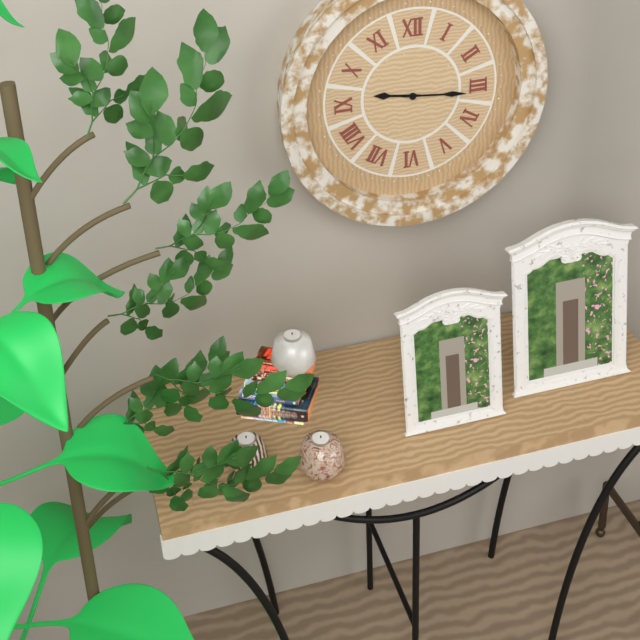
9 h 16 min
